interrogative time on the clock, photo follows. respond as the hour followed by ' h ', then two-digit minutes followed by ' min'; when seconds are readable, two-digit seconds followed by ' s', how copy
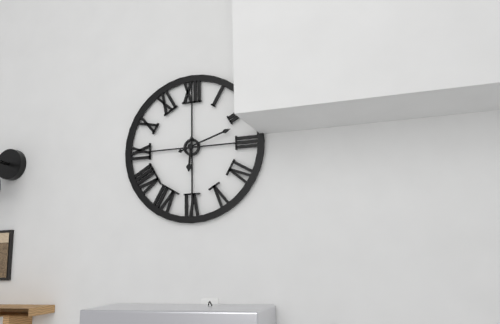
6 h 12 min
